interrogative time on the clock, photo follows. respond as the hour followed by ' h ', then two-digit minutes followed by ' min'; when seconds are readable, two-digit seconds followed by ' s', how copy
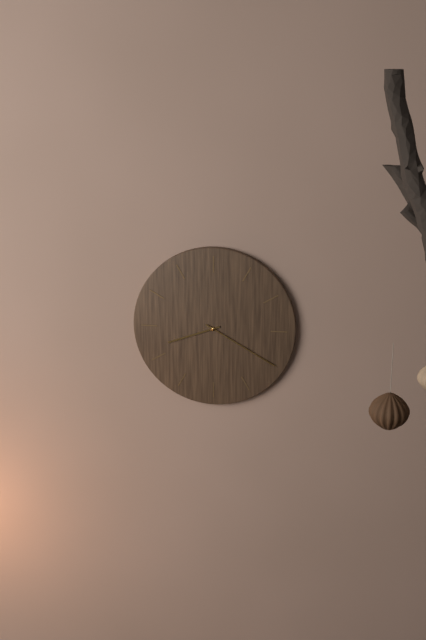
8 h 20 min
